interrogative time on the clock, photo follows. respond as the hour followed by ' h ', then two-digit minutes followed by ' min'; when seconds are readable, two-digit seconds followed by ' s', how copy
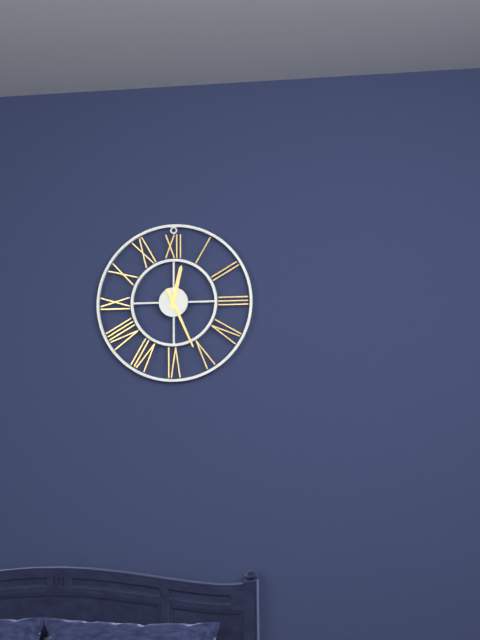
12 h 26 min
